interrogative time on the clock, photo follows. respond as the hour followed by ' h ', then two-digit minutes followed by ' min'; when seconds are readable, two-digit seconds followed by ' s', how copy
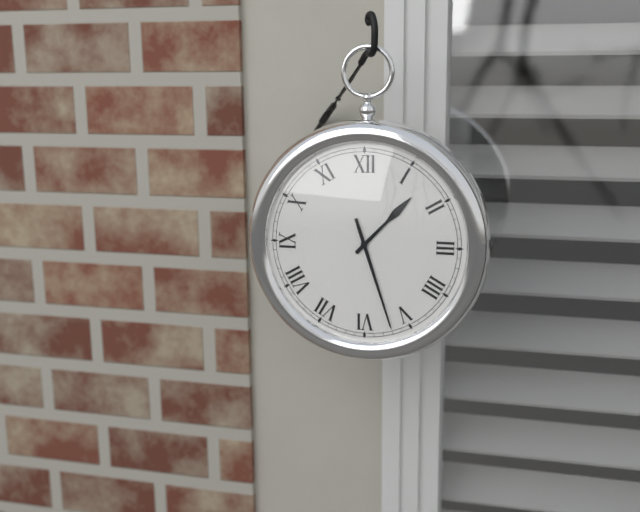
1 h 27 min
